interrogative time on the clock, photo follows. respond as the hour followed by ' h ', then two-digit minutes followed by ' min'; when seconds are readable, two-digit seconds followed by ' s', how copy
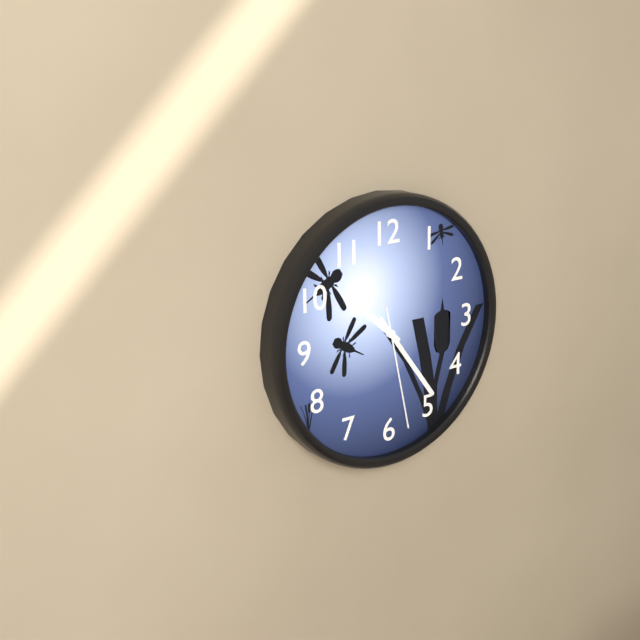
10 h 24 min 28 s
